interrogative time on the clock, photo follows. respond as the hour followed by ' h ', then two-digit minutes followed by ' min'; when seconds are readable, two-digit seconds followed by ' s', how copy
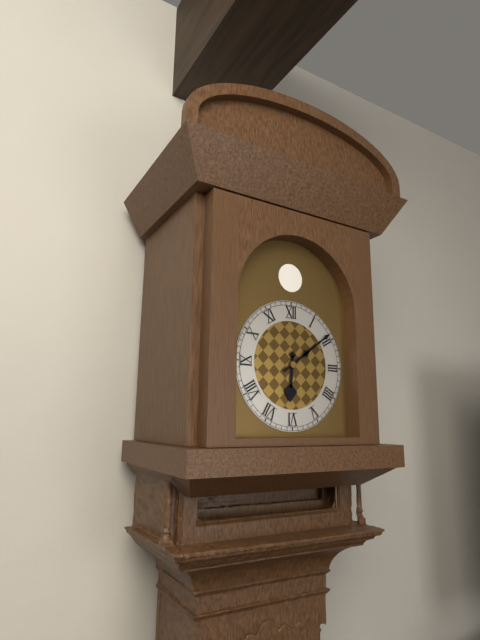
6 h 09 min
